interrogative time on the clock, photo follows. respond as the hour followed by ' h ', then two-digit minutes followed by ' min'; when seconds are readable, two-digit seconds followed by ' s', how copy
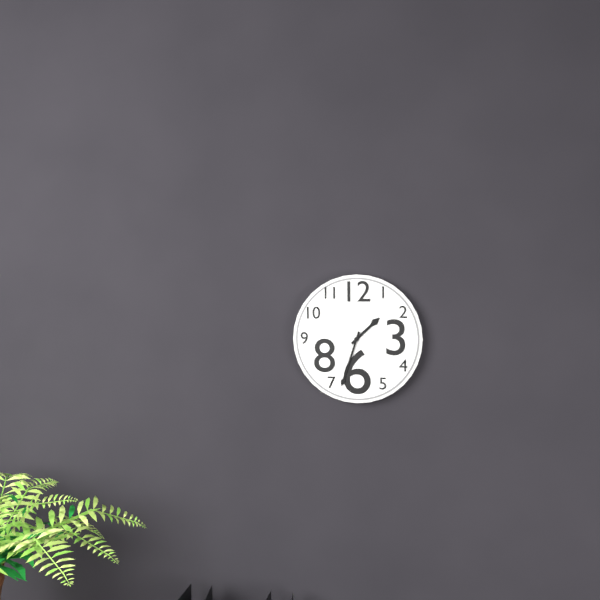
1 h 33 min
